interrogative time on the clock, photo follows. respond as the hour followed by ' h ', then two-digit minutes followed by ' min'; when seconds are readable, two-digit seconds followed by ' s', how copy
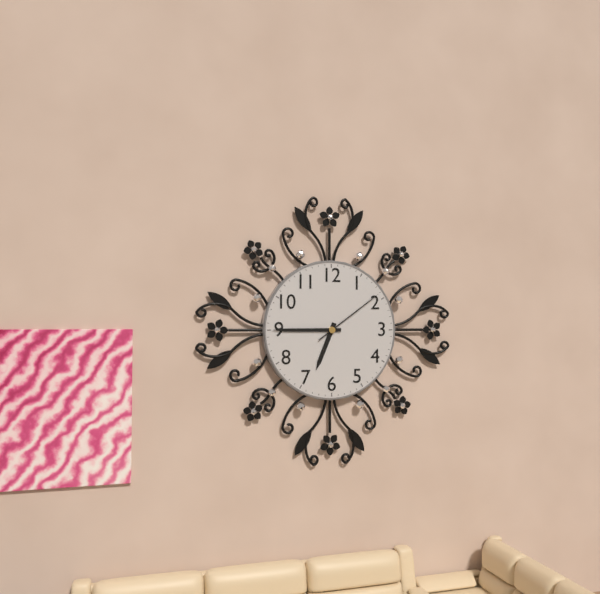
6 h 45 min 09 s
